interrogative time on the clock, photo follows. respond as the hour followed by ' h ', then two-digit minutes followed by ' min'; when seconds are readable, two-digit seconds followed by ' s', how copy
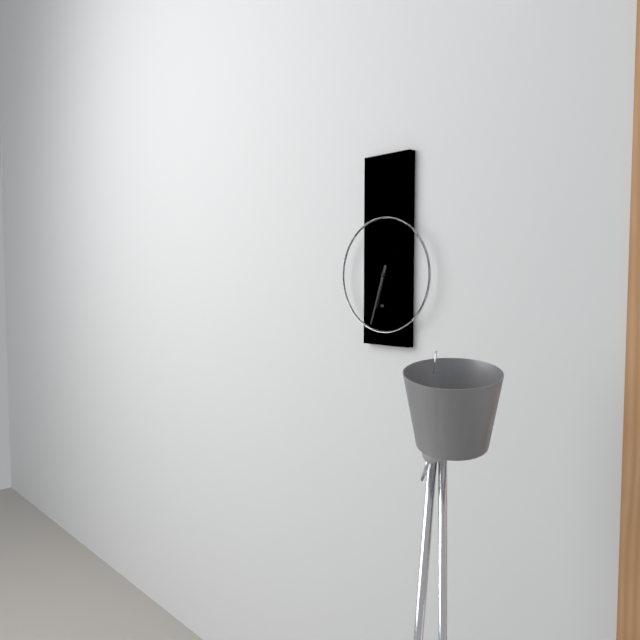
6 h 33 min
